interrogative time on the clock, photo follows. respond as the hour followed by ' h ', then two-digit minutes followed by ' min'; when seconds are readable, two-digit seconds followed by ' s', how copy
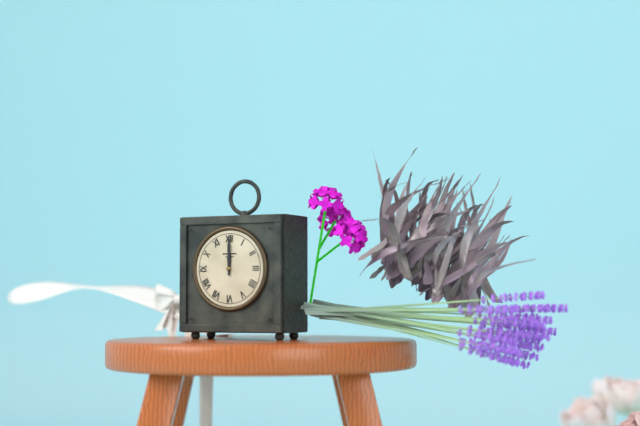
12 h 00 min
